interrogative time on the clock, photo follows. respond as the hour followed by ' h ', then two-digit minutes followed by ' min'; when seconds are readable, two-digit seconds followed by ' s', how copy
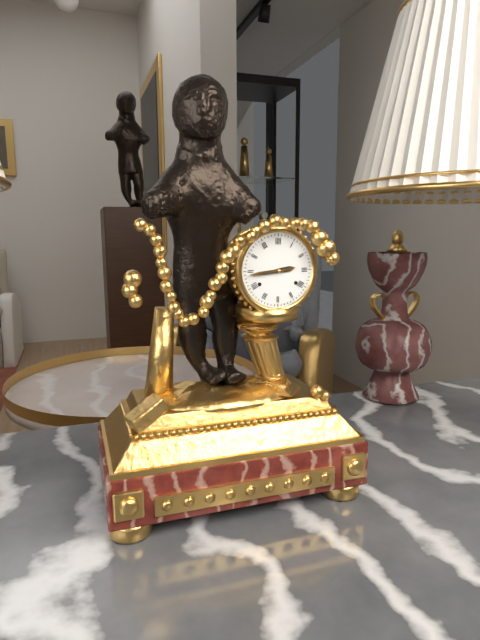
2 h 44 min
